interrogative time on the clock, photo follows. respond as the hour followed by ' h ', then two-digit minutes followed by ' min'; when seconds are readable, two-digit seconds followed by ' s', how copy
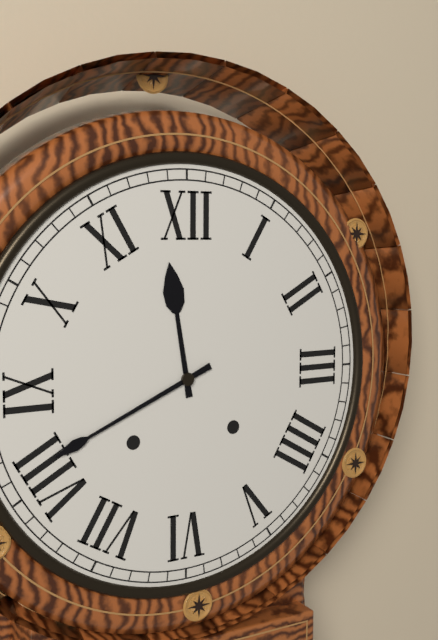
11 h 41 min
